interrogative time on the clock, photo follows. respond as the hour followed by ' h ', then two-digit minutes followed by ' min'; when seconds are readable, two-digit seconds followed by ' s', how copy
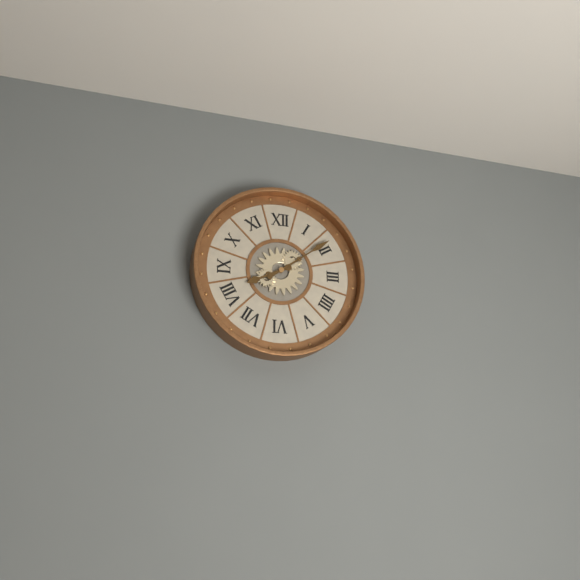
8 h 09 min
